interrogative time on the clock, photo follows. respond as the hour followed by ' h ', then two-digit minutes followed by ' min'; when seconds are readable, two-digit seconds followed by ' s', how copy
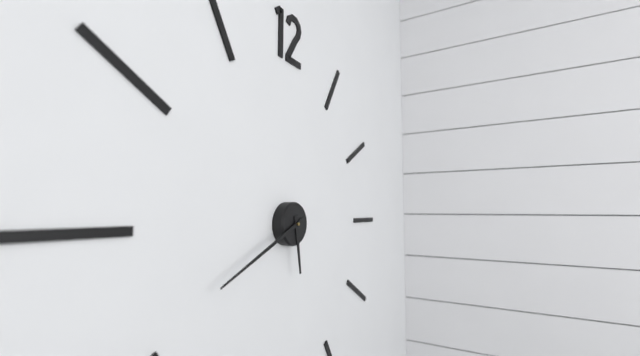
5 h 41 min
